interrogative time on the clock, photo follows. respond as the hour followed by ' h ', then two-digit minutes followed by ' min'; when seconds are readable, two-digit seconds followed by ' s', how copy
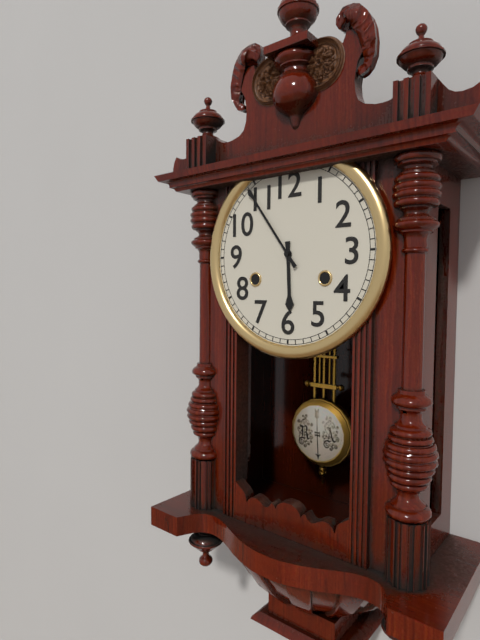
5 h 54 min
